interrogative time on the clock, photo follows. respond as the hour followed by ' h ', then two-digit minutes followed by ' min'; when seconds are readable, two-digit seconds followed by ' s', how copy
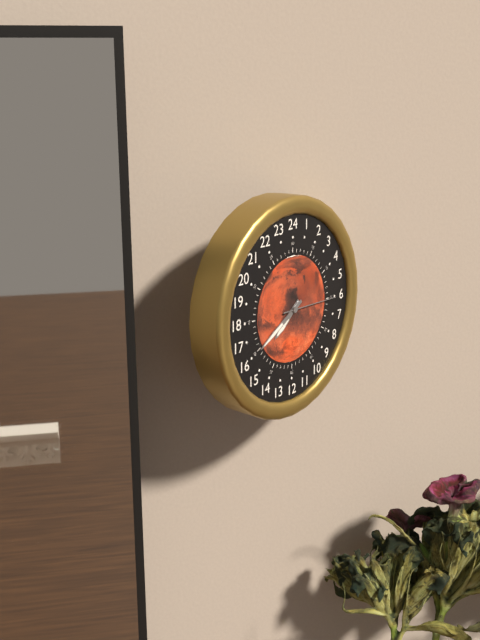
7 h 40 min 15 s
